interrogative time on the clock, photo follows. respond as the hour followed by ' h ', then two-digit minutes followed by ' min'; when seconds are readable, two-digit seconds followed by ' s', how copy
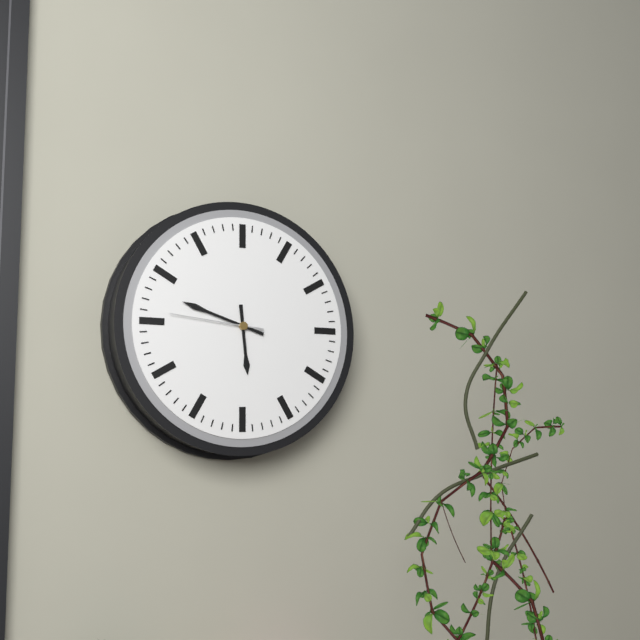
5 h 48 min 46 s
